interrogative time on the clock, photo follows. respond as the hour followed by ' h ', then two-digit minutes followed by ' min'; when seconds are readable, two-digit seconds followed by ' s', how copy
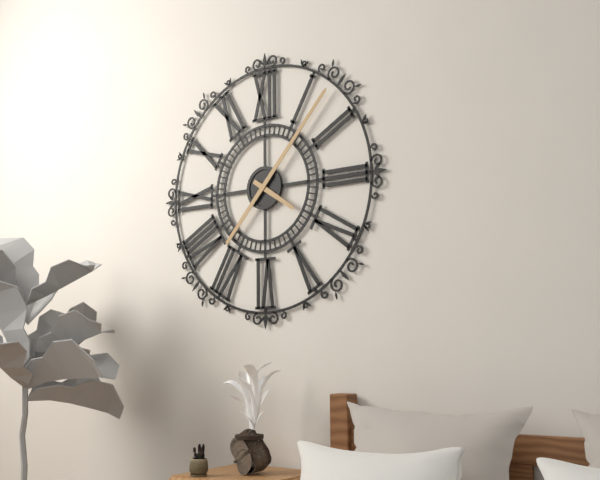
4 h 07 min
